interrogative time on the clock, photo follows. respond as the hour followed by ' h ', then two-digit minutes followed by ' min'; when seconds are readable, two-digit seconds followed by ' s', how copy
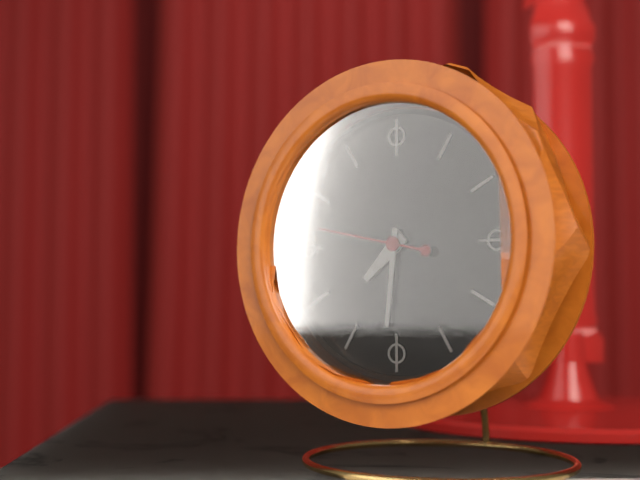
7 h 31 min 47 s
